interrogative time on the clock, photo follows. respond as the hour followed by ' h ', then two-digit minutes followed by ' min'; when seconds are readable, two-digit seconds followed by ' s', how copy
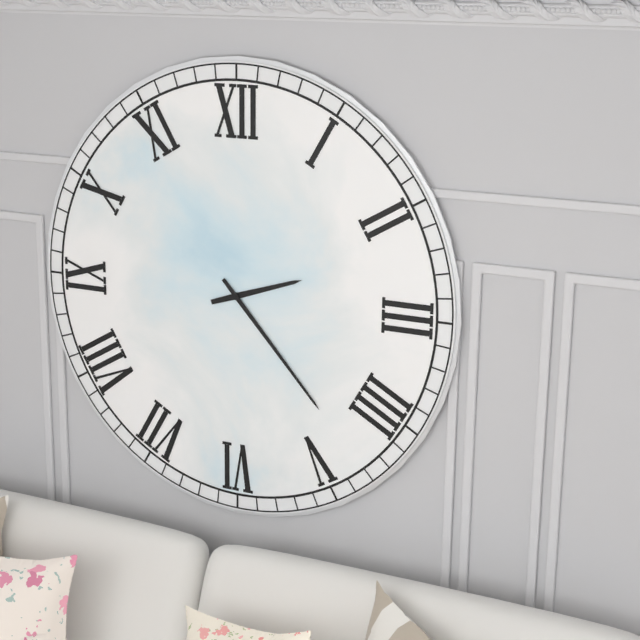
2 h 23 min
